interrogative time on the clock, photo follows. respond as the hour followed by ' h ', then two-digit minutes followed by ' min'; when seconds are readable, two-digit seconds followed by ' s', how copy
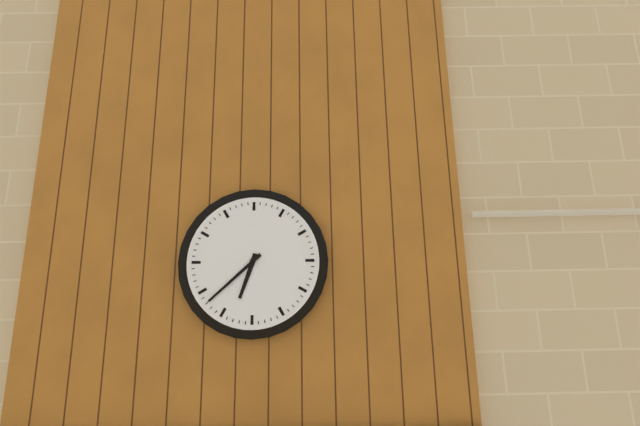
6 h 38 min
